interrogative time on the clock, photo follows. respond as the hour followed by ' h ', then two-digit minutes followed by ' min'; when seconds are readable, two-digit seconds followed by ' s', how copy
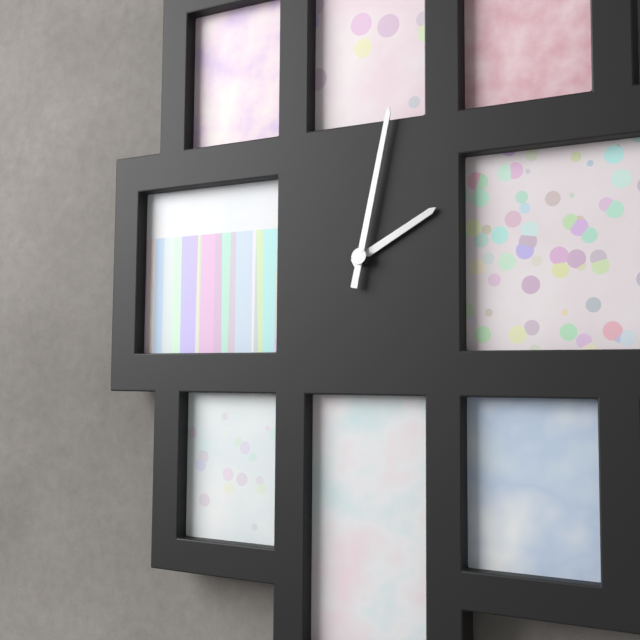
2 h 02 min
